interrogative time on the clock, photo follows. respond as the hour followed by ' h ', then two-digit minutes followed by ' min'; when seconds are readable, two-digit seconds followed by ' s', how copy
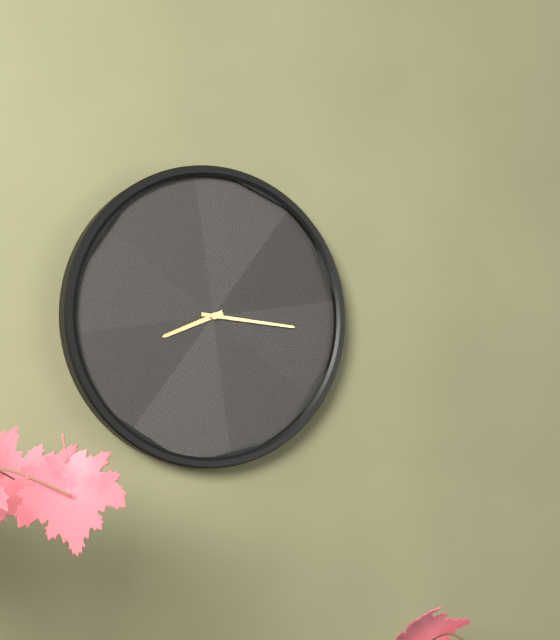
8 h 16 min
